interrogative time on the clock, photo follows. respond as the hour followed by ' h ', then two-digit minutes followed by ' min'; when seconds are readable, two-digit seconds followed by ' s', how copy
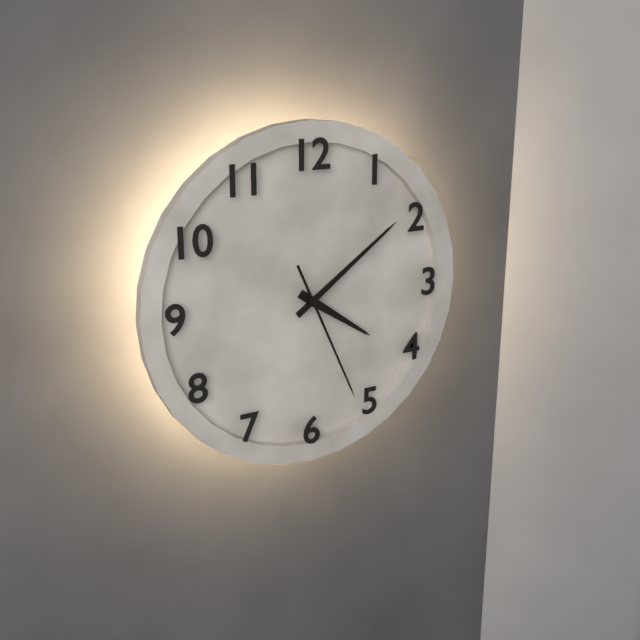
4 h 09 min 26 s
